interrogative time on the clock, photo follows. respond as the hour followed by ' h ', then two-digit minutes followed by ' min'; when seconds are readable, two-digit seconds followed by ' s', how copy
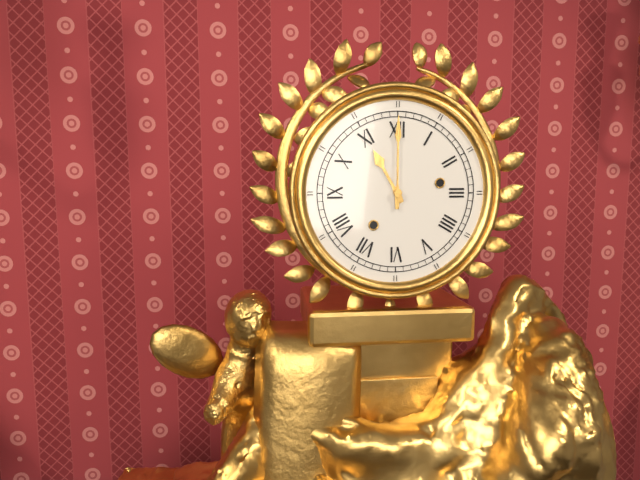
11 h 00 min
